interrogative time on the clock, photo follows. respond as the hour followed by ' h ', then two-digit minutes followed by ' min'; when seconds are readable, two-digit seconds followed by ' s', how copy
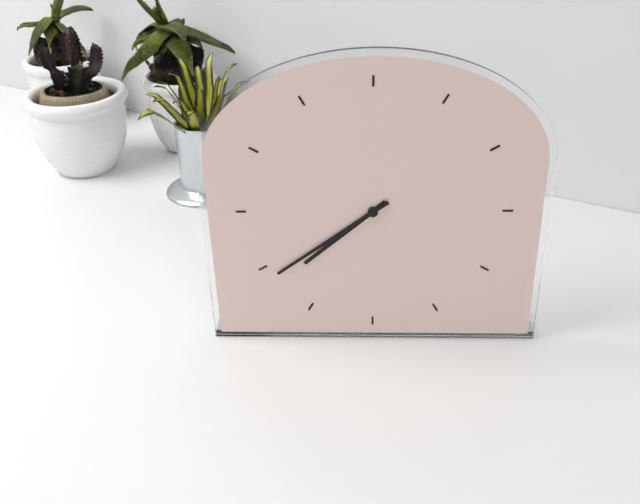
7 h 39 min
